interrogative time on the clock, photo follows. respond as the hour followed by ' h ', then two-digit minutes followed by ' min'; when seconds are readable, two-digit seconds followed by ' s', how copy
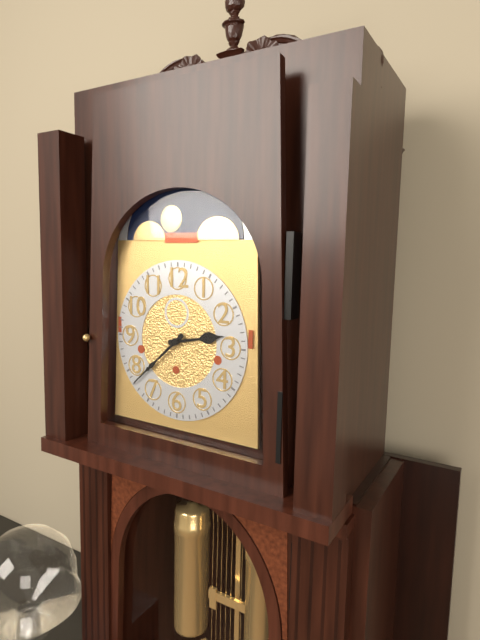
2 h 38 min
